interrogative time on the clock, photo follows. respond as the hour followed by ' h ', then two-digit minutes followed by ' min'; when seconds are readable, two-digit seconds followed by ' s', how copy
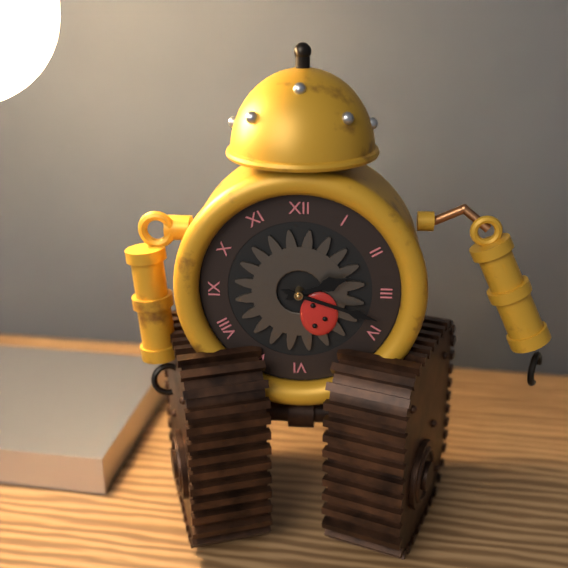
2 h 18 min
